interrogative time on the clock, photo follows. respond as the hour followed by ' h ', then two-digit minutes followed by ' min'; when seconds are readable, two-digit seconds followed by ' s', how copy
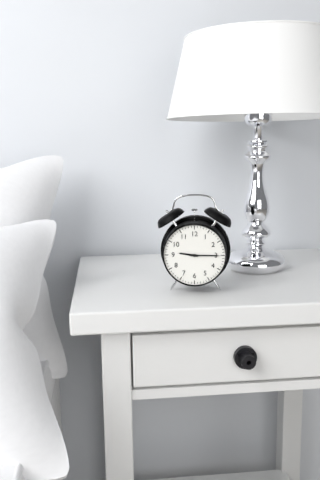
9 h 15 min
